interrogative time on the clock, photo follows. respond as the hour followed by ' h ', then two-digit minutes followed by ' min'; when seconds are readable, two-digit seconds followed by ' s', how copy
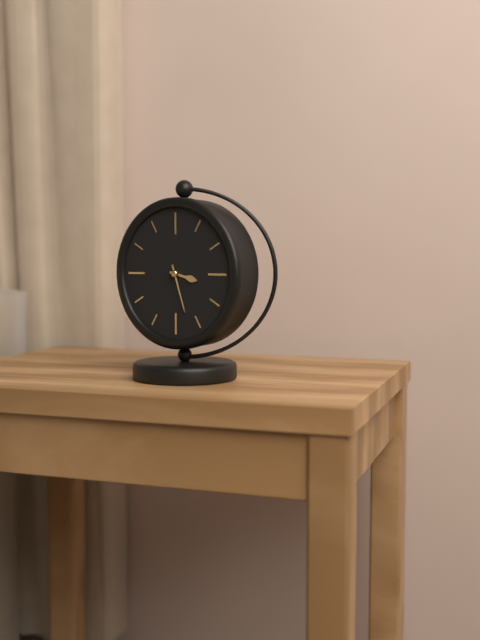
3 h 27 min
